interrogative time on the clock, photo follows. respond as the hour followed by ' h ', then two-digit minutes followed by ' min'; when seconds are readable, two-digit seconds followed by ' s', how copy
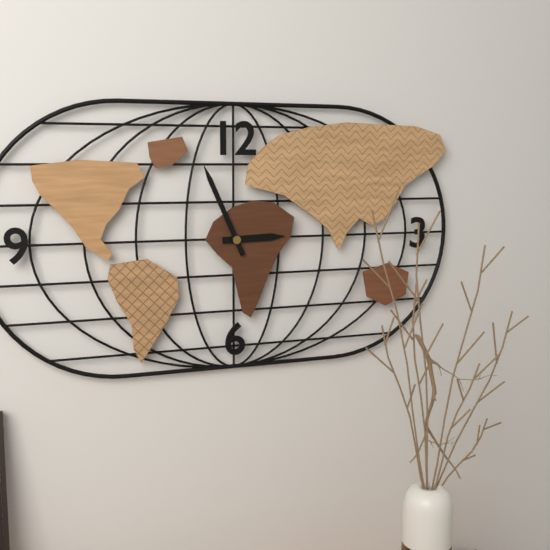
2 h 56 min
